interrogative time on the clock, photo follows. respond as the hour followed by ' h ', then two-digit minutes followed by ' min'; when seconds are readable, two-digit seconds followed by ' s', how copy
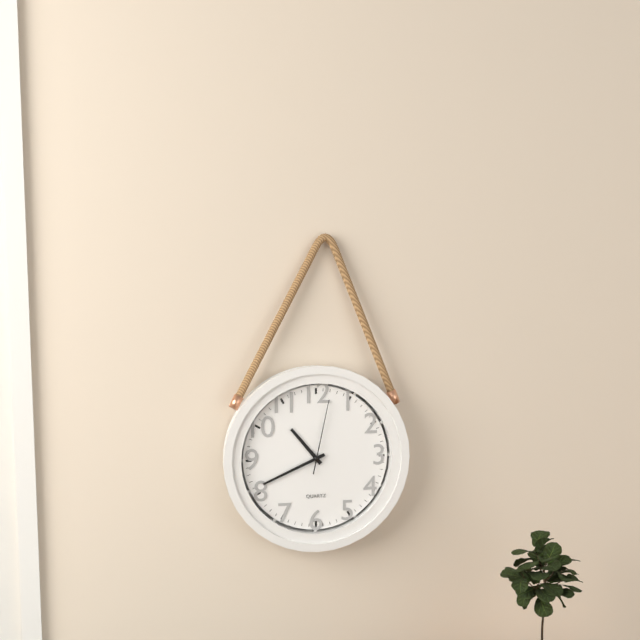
10 h 41 min 02 s
